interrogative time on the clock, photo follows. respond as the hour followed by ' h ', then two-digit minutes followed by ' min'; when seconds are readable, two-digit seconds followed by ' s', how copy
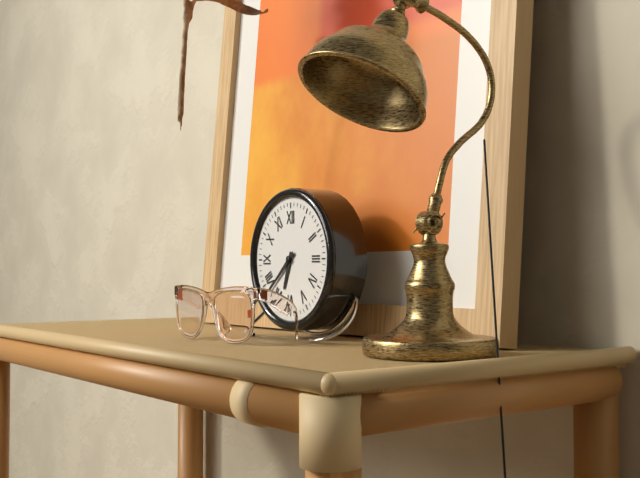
6 h 38 min
